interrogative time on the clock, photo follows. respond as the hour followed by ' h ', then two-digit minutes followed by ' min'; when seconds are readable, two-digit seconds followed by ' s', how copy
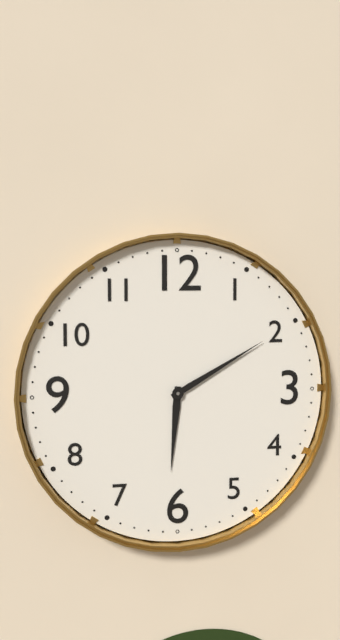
6 h 10 min
